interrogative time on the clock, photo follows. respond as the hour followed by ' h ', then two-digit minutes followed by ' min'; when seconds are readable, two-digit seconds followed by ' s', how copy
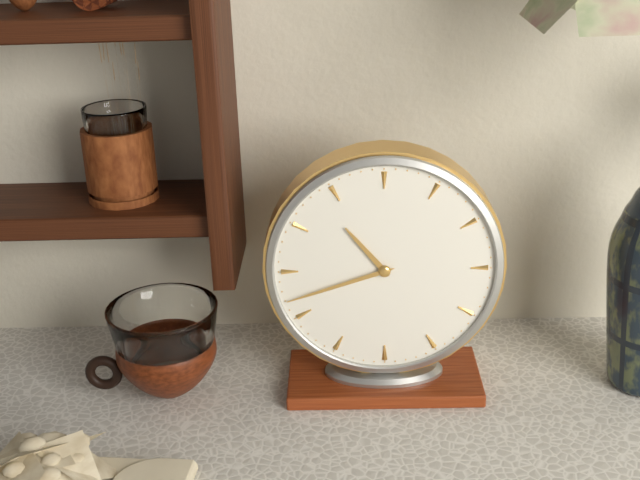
10 h 42 min
